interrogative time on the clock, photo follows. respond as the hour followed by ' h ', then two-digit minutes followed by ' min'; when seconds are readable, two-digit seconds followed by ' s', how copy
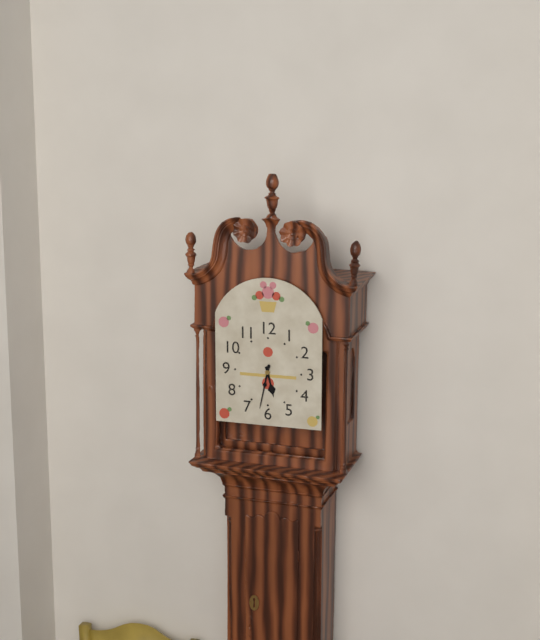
5 h 32 min
